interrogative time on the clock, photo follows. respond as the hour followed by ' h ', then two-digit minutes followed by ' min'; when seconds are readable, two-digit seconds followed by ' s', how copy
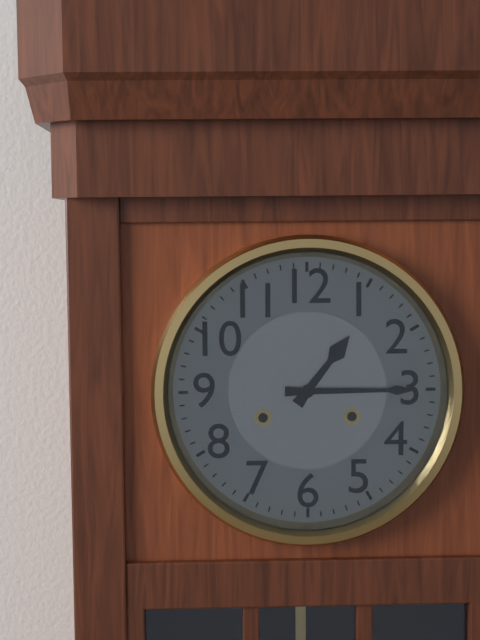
1 h 15 min
